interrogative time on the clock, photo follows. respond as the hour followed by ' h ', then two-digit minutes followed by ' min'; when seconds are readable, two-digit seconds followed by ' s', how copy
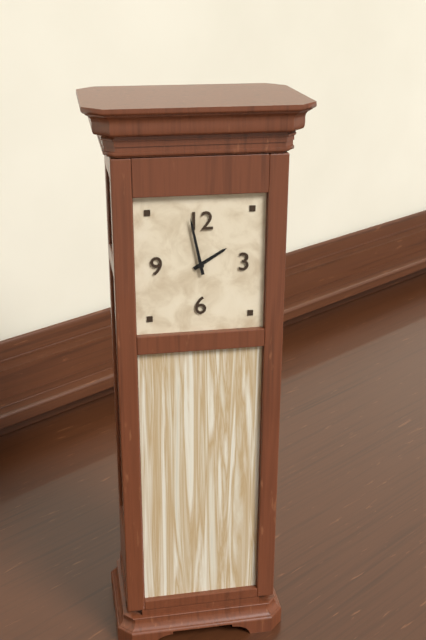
1 h 58 min
